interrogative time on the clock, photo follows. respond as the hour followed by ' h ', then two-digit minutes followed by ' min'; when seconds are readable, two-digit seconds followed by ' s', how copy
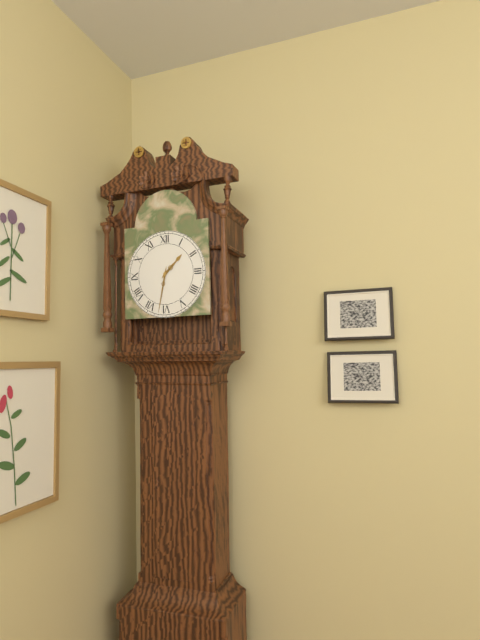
1 h 32 min
